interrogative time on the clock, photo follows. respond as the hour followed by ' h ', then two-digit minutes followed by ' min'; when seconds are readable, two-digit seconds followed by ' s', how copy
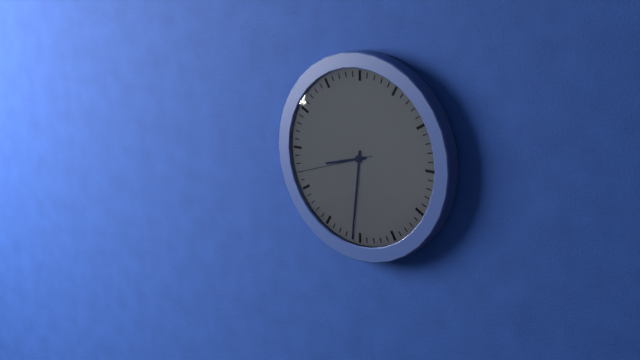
8 h 31 min 42 s
